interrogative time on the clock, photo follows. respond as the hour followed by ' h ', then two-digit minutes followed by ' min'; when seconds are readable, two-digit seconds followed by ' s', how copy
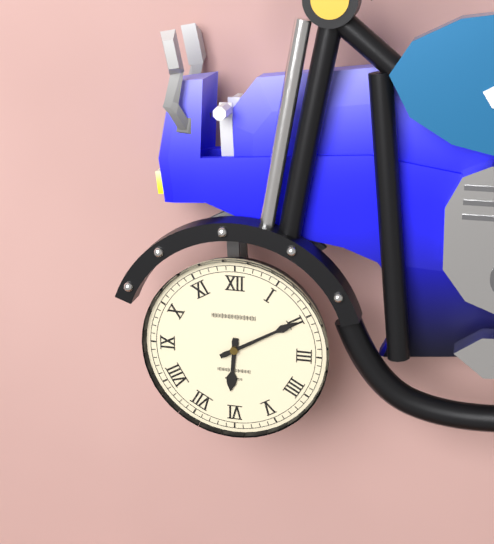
6 h 10 min
